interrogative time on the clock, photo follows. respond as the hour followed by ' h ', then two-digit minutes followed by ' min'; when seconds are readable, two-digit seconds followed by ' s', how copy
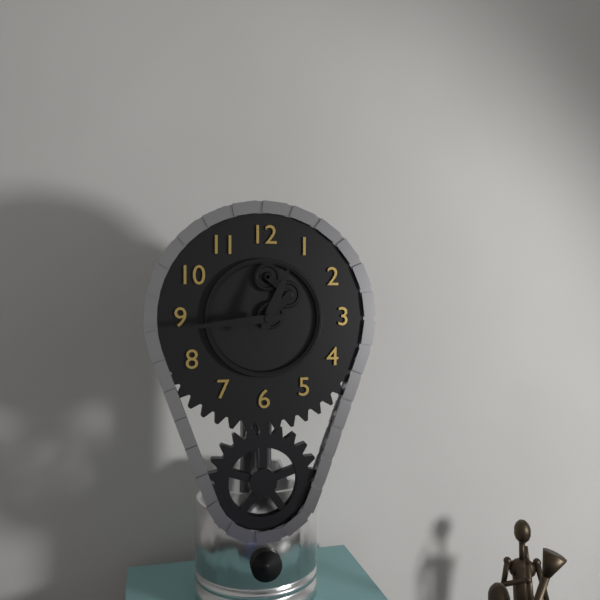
12 h 44 min
